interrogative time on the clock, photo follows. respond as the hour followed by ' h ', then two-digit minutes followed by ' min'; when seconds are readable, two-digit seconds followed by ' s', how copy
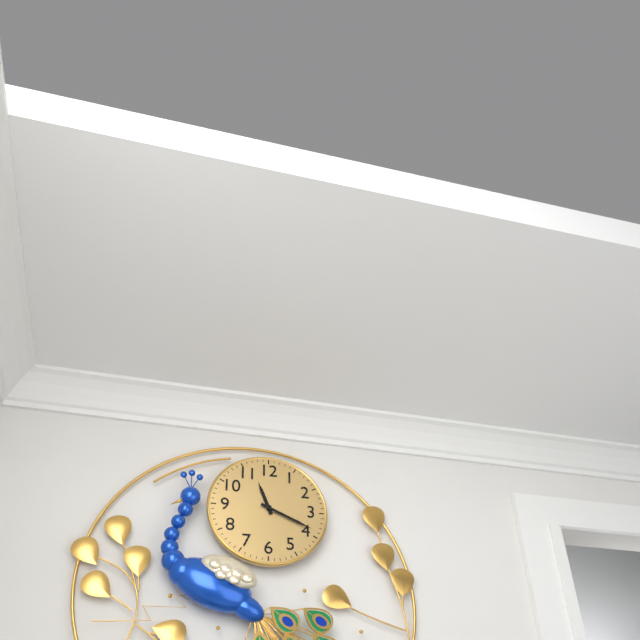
11 h 19 min
